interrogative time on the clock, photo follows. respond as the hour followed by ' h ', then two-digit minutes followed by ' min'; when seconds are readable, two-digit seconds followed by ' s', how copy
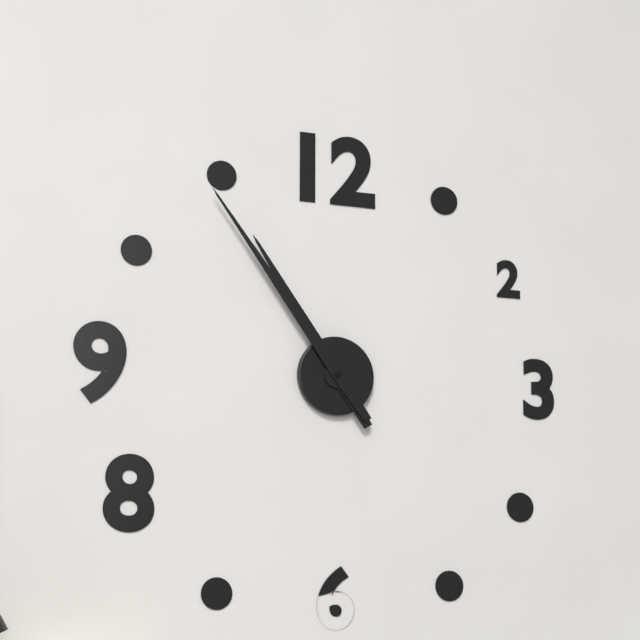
10 h 54 min
